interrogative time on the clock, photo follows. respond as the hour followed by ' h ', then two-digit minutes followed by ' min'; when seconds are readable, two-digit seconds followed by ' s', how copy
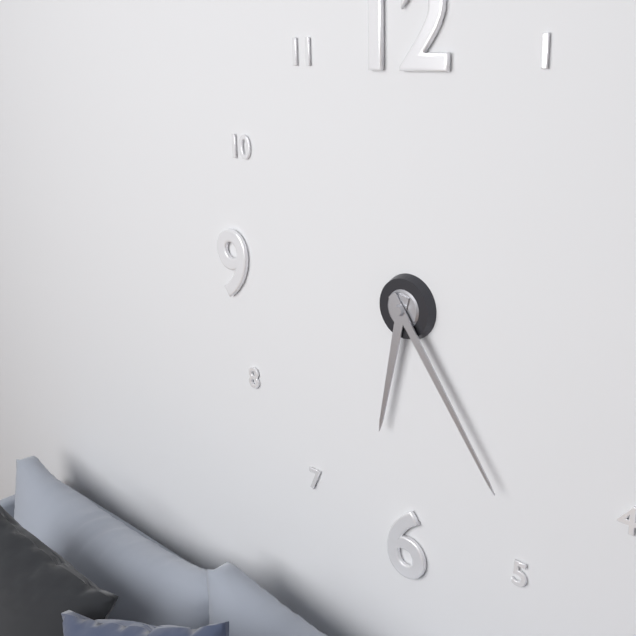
6 h 24 min
